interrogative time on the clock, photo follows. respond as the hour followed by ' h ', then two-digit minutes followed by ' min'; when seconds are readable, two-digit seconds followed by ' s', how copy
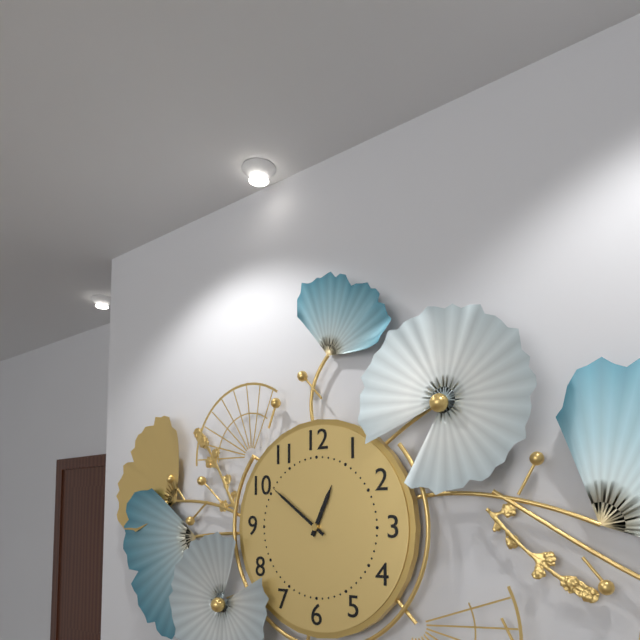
12 h 51 min
